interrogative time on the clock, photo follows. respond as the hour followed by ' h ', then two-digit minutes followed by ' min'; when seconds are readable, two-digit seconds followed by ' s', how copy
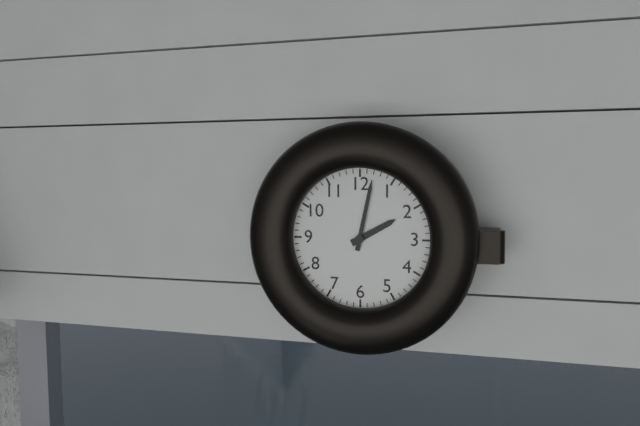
2 h 02 min
